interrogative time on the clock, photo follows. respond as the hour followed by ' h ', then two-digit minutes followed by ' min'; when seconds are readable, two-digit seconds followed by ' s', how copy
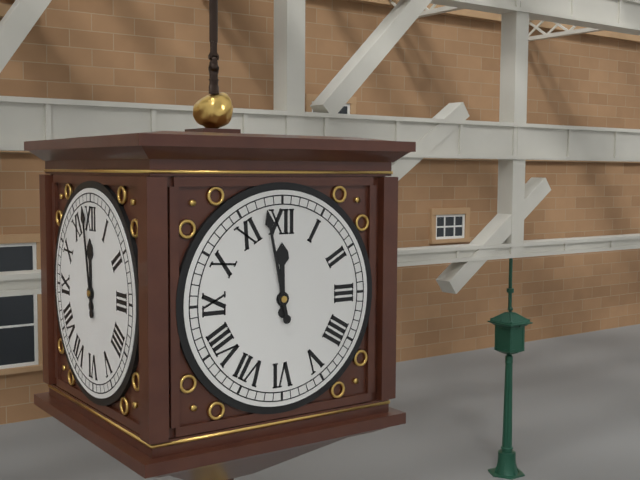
11 h 58 min
